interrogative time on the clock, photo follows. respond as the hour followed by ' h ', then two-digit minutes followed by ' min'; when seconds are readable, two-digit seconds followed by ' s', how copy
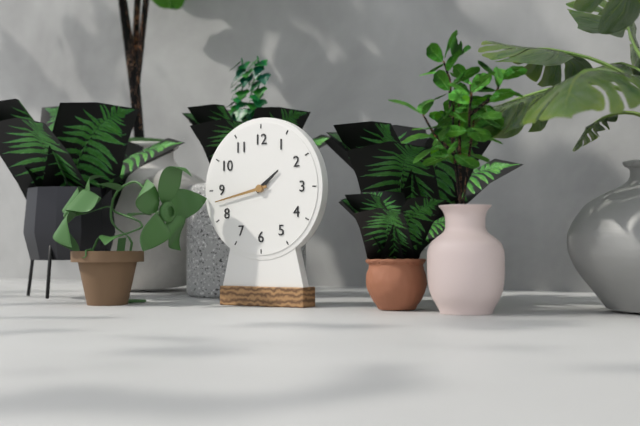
1 h 43 min
